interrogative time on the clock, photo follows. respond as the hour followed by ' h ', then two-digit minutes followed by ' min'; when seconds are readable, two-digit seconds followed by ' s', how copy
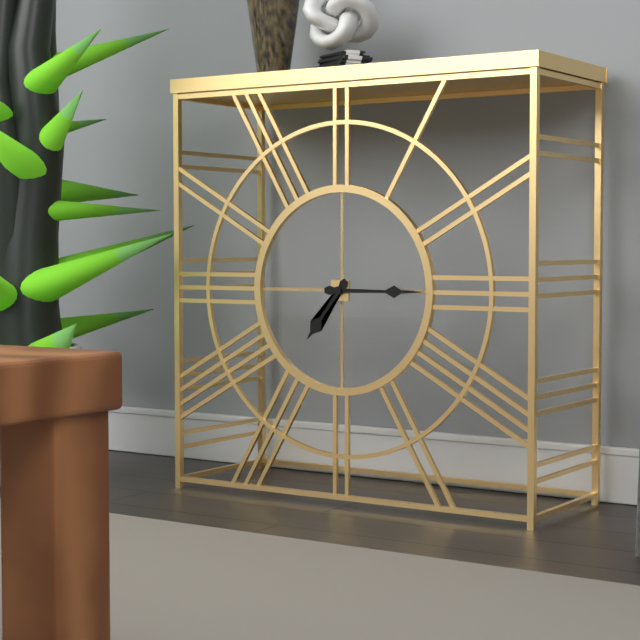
7 h 15 min
